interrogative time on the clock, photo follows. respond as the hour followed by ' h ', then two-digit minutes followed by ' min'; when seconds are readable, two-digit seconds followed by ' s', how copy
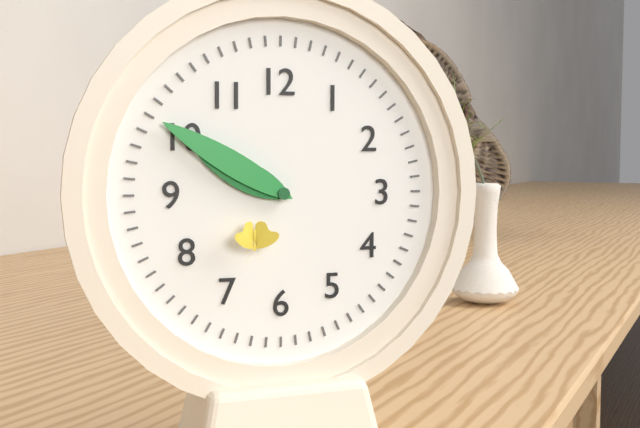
9 h 50 min
